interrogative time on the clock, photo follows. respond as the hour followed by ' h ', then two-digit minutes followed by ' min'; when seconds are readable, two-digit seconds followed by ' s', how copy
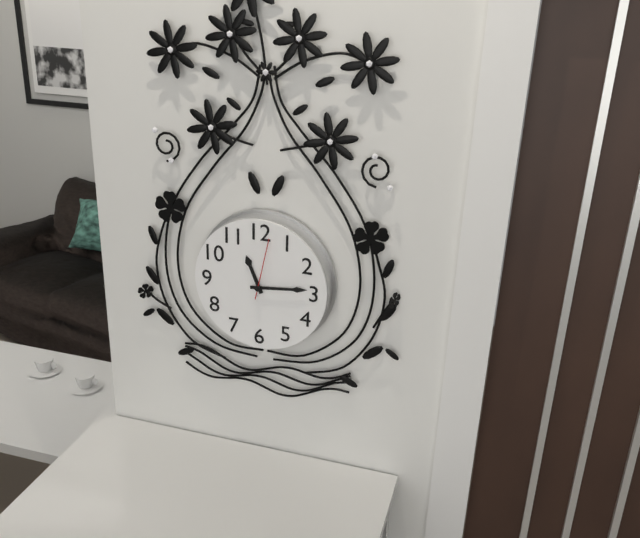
11 h 14 min 02 s
